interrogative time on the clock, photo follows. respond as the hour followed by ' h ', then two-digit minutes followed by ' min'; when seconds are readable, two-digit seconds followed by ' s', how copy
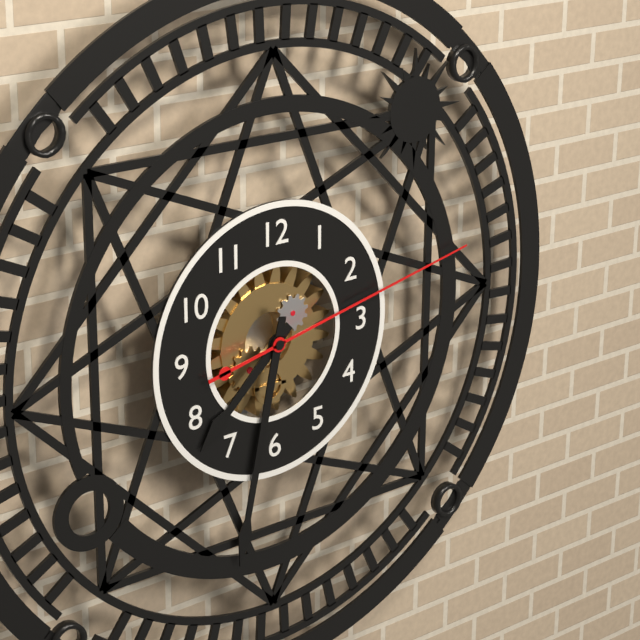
7 h 32 min 13 s
